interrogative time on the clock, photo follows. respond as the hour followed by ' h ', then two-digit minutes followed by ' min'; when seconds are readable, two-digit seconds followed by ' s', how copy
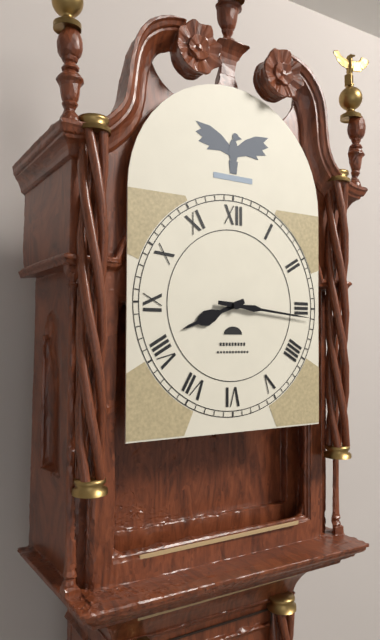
8 h 16 min
